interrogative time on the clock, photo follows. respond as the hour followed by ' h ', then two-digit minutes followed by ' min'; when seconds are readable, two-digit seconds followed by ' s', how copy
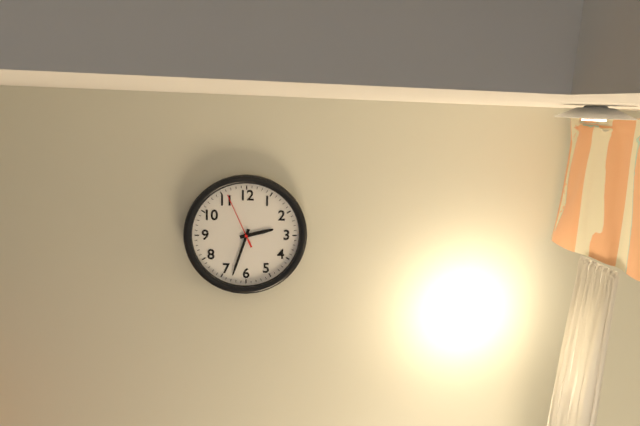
2 h 33 min 56 s
